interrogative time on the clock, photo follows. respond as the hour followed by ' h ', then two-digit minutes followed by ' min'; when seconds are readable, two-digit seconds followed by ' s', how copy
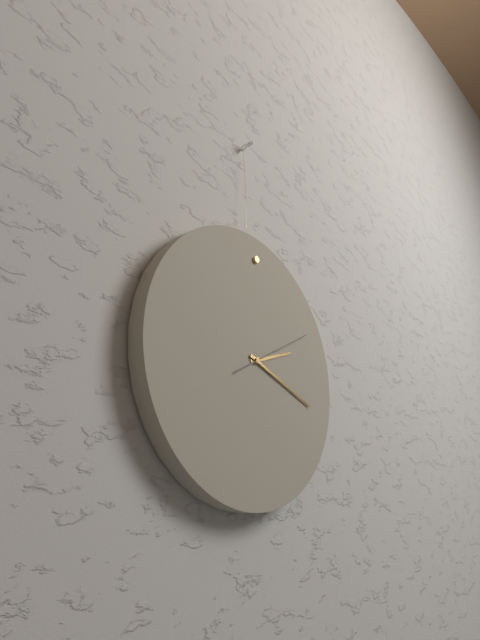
2 h 18 min 10 s
